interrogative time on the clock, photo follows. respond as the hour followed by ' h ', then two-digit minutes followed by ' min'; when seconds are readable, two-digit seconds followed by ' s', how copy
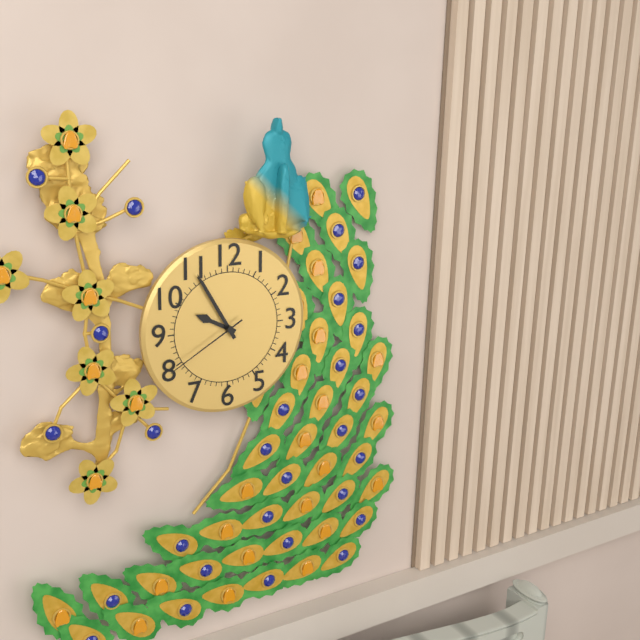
9 h 55 min 40 s
